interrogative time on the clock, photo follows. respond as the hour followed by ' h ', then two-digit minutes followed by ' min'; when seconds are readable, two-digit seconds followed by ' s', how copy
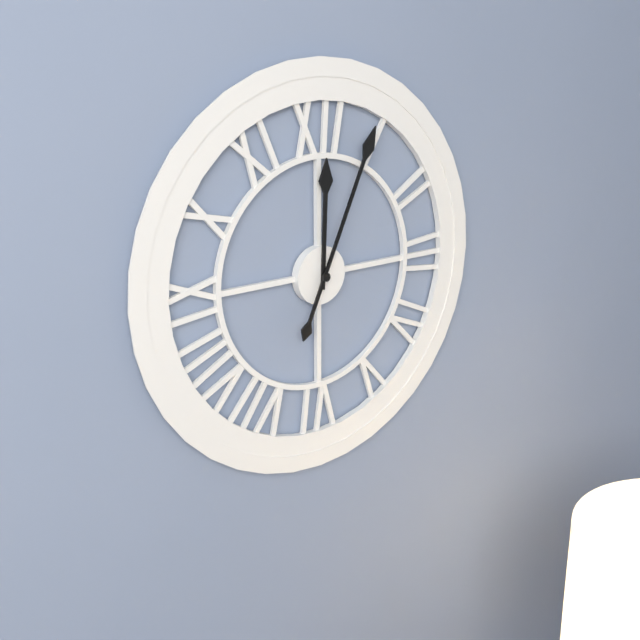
12 h 04 min
